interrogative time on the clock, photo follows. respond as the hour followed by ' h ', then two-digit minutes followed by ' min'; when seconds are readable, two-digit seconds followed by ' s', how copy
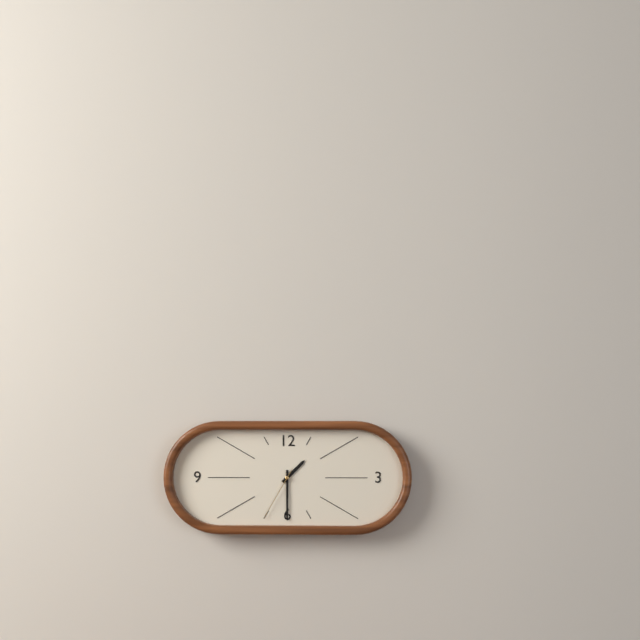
1 h 30 min 35 s
